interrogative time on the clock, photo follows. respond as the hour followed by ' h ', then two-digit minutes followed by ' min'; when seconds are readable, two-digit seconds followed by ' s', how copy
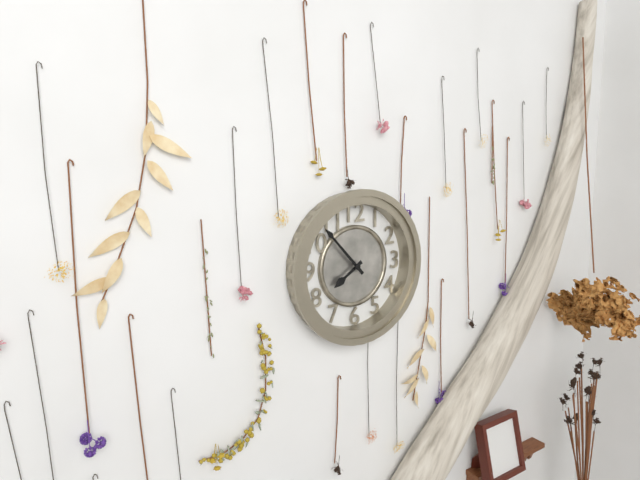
7 h 53 min
